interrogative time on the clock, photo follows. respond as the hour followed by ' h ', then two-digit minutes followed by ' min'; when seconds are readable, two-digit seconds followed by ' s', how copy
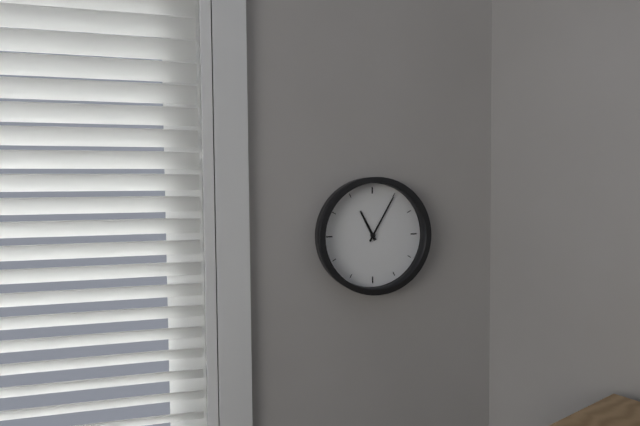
11 h 05 min
